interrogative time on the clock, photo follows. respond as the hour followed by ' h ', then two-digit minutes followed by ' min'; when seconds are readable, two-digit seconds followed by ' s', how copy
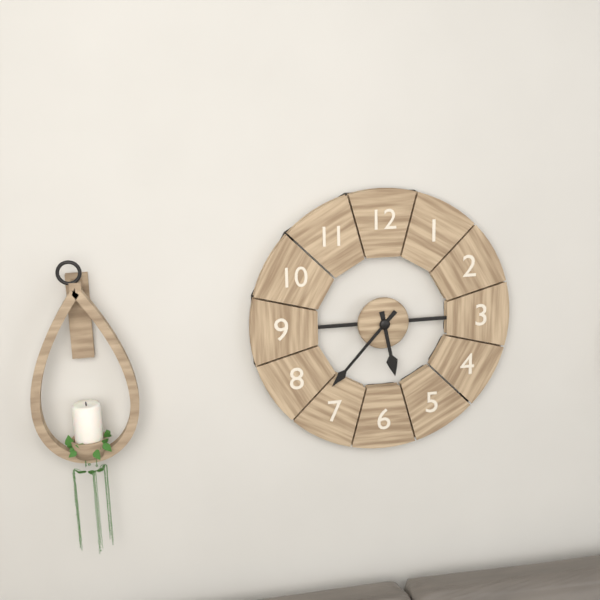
5 h 37 min
